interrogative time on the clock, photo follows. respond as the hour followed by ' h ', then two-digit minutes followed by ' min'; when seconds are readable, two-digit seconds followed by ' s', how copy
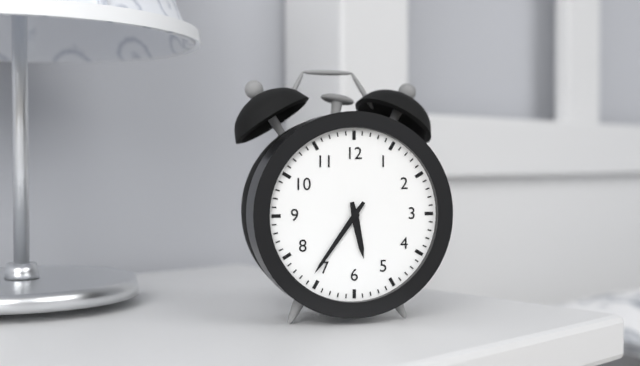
5 h 36 min
